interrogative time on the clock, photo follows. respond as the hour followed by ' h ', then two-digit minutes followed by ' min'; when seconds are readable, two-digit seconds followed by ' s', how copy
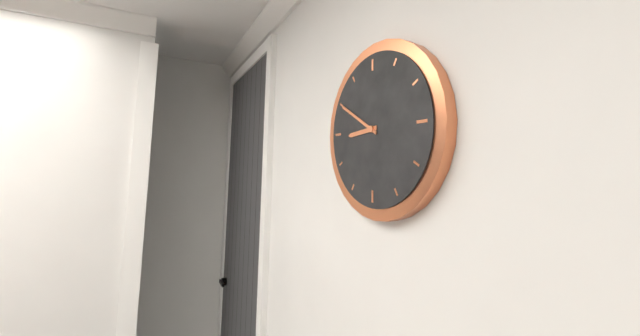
8 h 50 min
